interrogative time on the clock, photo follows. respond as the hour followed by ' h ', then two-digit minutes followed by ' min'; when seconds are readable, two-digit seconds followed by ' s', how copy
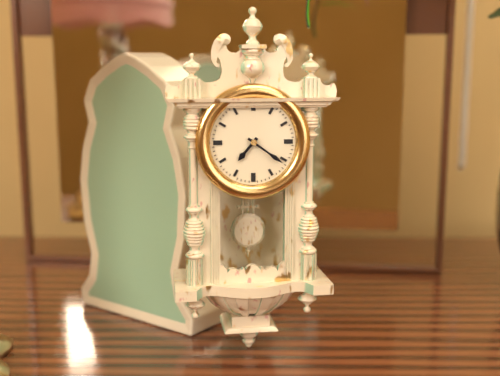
7 h 21 min
